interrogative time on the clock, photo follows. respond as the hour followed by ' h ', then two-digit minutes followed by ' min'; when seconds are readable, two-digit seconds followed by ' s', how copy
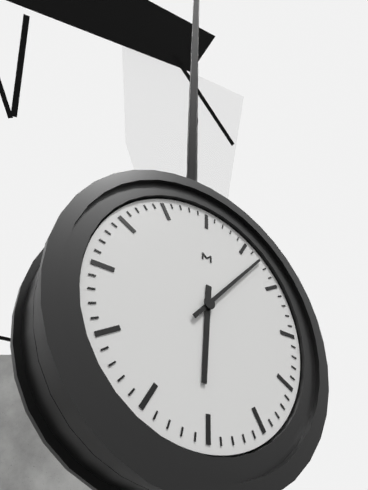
6 h 07 min
